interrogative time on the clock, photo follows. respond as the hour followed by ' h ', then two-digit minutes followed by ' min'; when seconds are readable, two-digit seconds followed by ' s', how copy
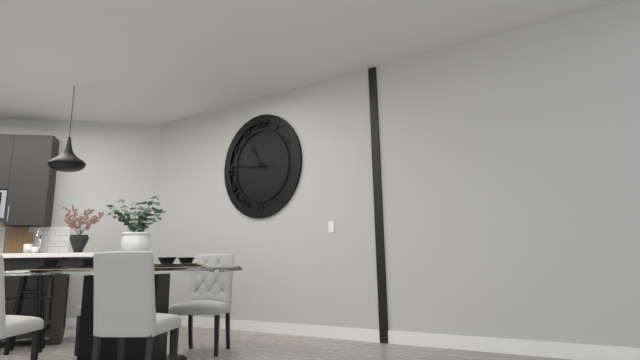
10 h 46 min
